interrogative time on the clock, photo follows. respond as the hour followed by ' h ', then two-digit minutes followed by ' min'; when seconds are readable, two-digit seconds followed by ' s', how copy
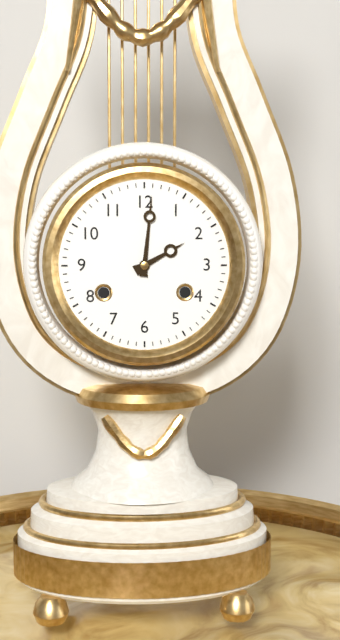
2 h 01 min
